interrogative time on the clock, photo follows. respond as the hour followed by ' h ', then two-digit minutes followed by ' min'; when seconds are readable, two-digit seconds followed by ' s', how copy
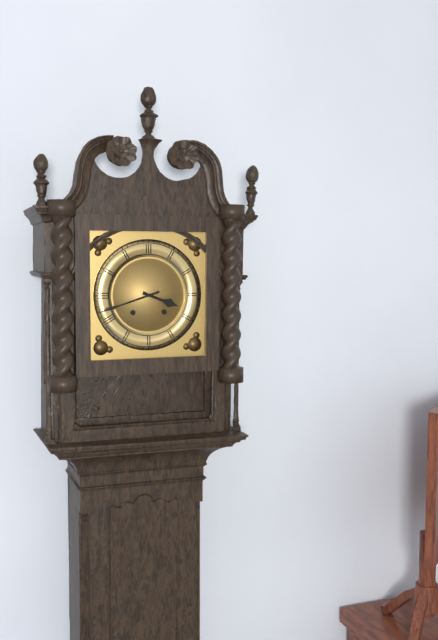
3 h 42 min
